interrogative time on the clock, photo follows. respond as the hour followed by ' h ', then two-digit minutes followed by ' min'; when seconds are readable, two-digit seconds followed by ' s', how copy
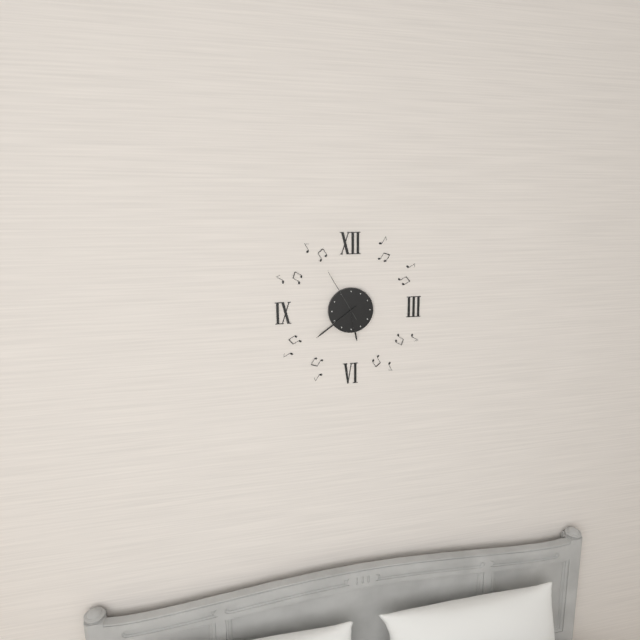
5 h 39 min 55 s
